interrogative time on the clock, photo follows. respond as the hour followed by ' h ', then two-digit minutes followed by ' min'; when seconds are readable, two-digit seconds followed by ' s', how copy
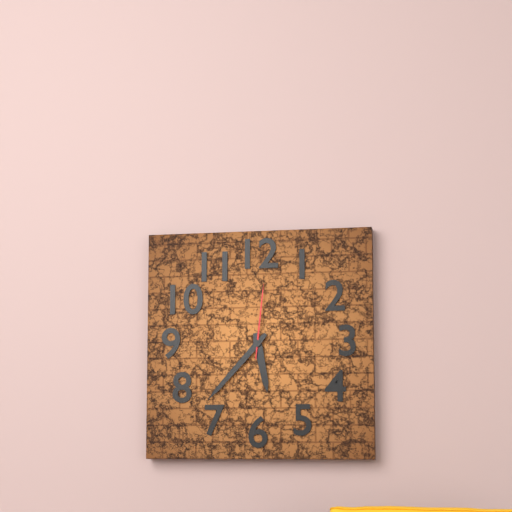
5 h 37 min 01 s
